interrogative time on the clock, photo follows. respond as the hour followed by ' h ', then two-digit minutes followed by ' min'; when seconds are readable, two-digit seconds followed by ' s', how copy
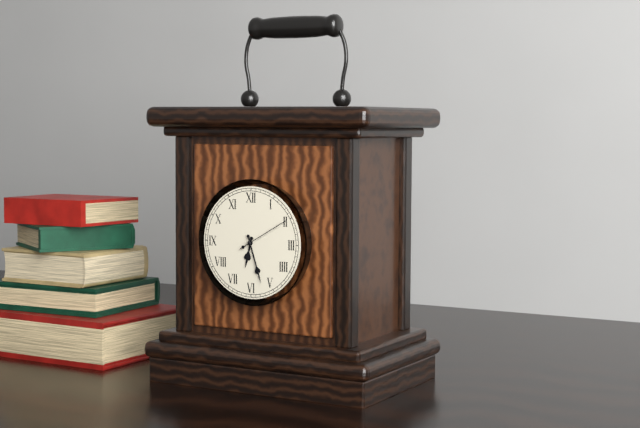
6 h 27 min 10 s
